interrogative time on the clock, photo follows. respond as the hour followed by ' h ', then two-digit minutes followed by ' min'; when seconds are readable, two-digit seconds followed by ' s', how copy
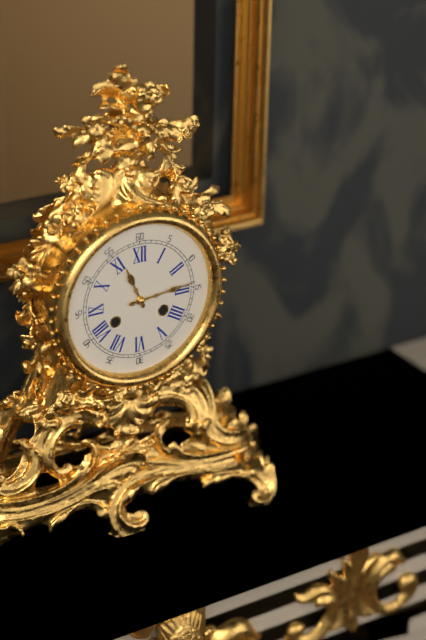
11 h 14 min
